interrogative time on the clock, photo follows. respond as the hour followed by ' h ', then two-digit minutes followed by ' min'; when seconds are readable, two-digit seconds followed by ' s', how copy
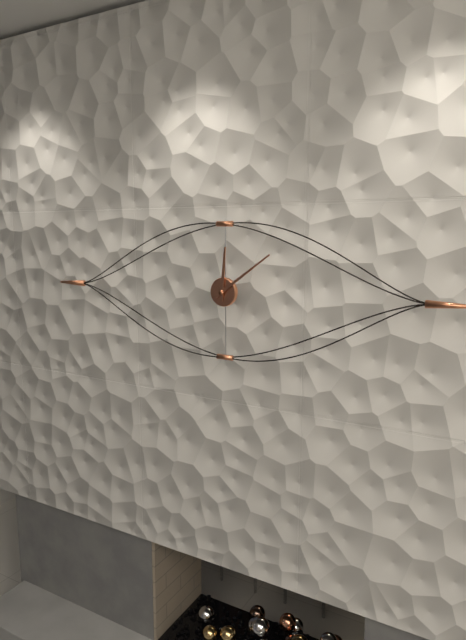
12 h 09 min
